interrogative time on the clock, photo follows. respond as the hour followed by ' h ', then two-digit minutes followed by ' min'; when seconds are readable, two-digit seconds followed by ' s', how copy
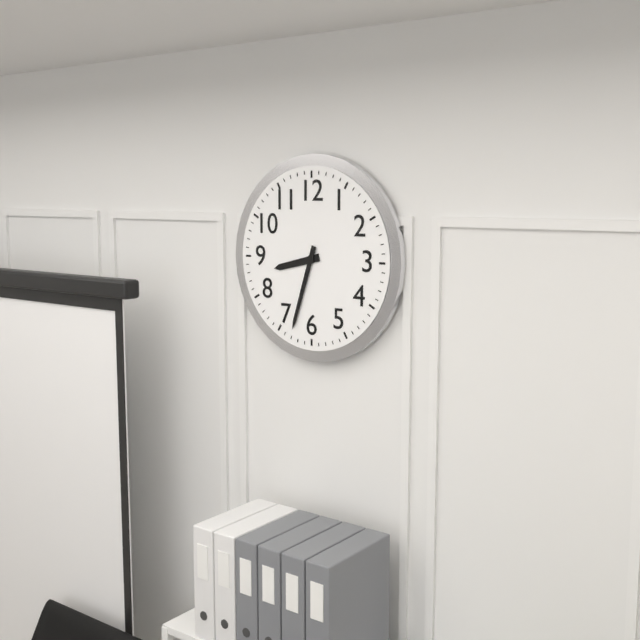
8 h 33 min
